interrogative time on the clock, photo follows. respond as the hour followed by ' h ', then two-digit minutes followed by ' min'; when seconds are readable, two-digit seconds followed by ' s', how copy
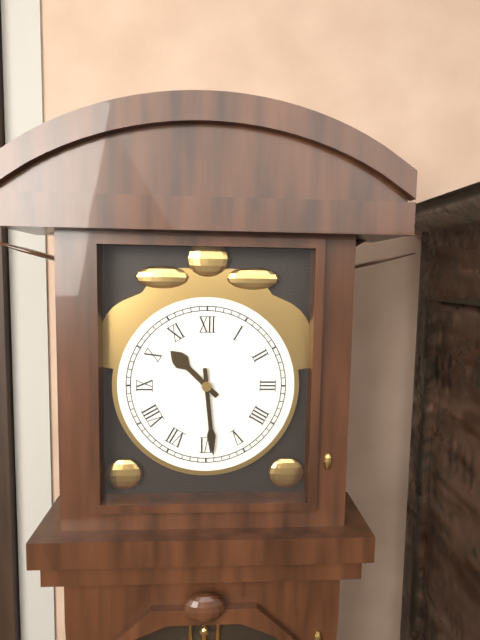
10 h 29 min
